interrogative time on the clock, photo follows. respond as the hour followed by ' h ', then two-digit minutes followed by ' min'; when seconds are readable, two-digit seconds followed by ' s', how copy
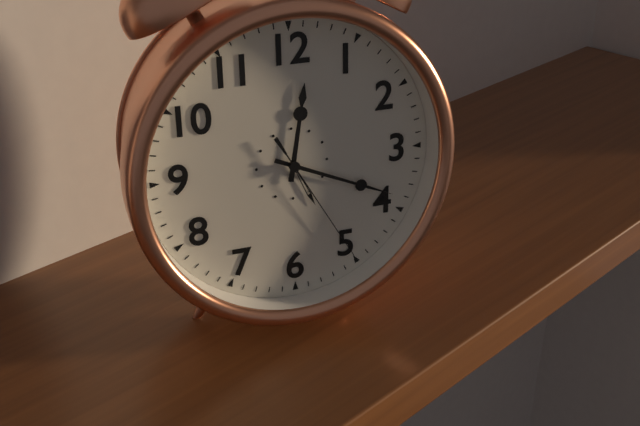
12 h 19 min 25 s
